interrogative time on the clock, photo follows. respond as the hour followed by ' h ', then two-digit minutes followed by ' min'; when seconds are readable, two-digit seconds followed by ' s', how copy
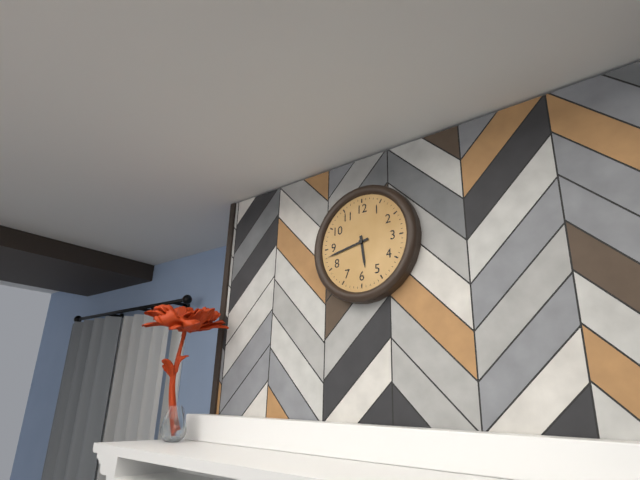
5 h 43 min
